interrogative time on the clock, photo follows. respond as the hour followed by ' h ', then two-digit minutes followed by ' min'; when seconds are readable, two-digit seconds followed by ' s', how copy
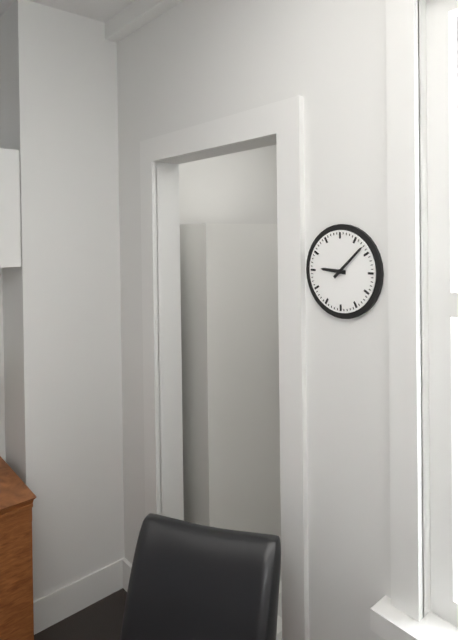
9 h 08 min
